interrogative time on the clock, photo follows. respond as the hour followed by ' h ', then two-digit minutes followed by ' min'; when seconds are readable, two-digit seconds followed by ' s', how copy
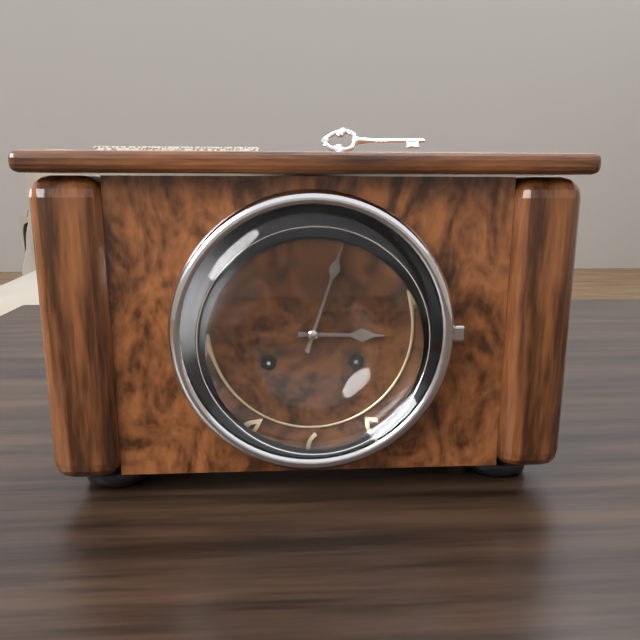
3 h 03 min
